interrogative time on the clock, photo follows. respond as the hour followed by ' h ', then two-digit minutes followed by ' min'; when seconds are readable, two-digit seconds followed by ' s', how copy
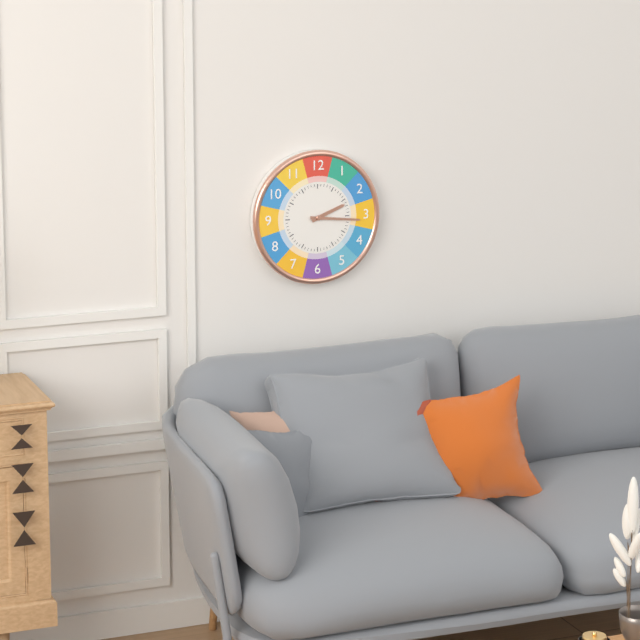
2 h 16 min
